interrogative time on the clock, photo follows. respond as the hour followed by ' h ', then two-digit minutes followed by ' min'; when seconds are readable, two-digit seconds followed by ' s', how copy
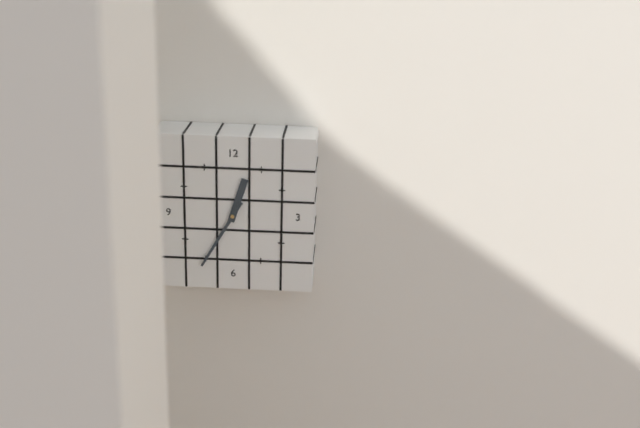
12 h 35 min
